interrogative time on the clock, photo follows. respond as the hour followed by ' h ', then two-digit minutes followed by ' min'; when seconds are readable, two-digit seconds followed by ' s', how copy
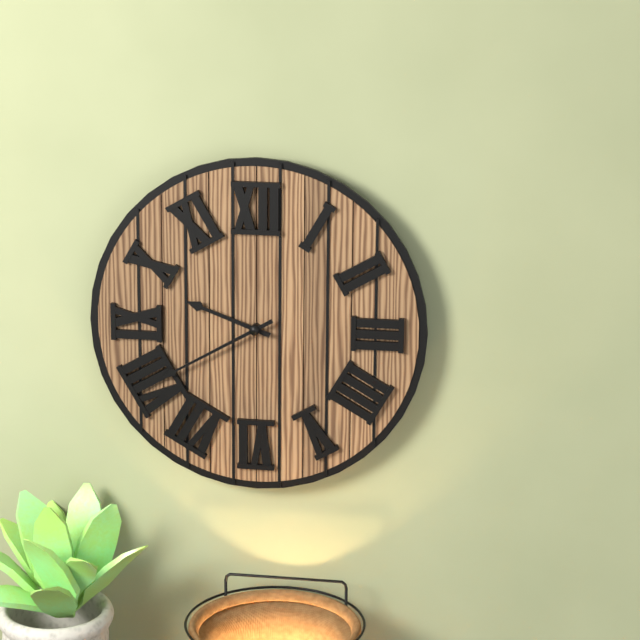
9 h 40 min
